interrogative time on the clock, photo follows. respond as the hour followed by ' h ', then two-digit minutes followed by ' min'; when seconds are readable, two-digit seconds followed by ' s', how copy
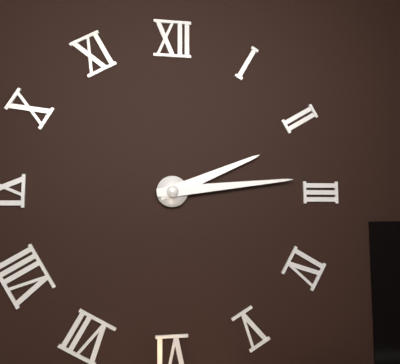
2 h 14 min
